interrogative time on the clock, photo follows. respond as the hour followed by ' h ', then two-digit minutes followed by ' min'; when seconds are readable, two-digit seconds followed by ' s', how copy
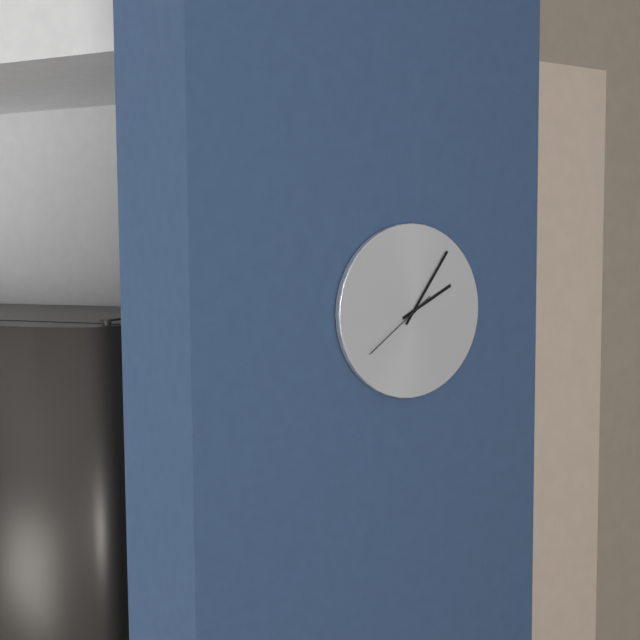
2 h 06 min 39 s
